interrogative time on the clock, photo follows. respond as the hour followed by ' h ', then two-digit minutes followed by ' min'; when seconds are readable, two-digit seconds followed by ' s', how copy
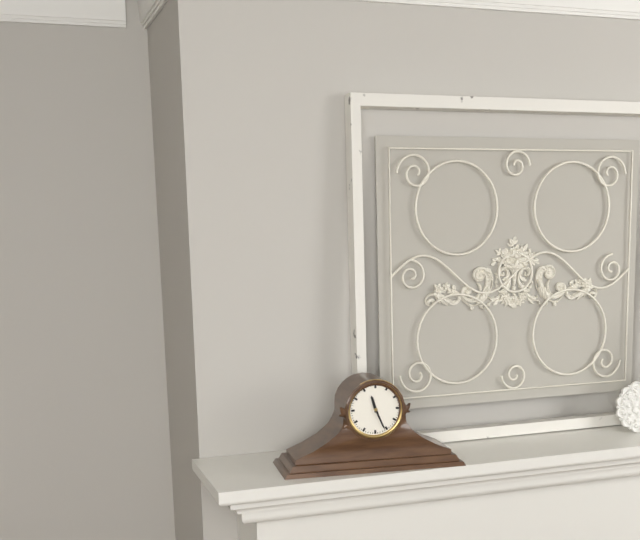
11 h 26 min
